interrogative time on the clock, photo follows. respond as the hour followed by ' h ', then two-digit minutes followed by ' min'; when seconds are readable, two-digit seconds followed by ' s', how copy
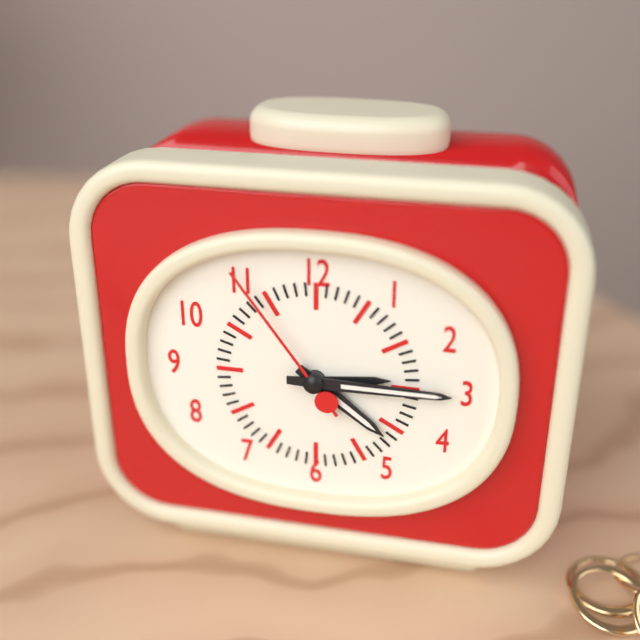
4 h 15 min 54 s
